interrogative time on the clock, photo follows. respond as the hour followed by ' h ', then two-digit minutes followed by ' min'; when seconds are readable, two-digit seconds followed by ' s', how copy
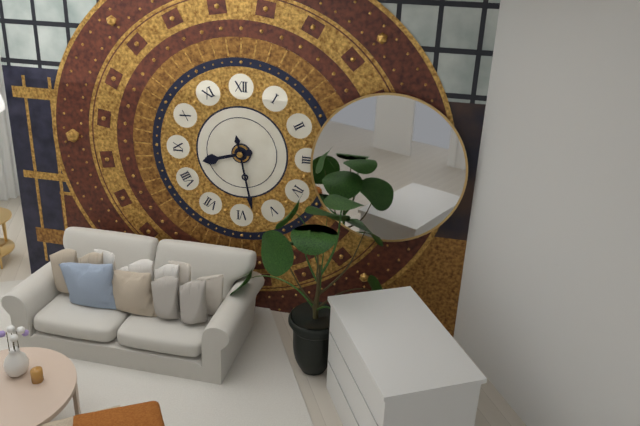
8 h 28 min
